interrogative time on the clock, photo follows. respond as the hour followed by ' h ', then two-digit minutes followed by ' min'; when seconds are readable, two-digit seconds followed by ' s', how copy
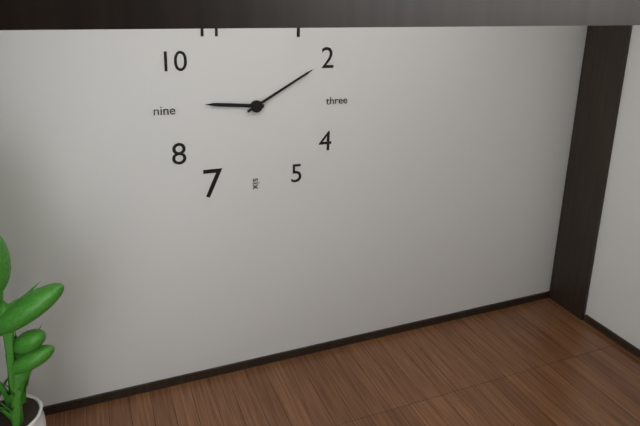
9 h 10 min
